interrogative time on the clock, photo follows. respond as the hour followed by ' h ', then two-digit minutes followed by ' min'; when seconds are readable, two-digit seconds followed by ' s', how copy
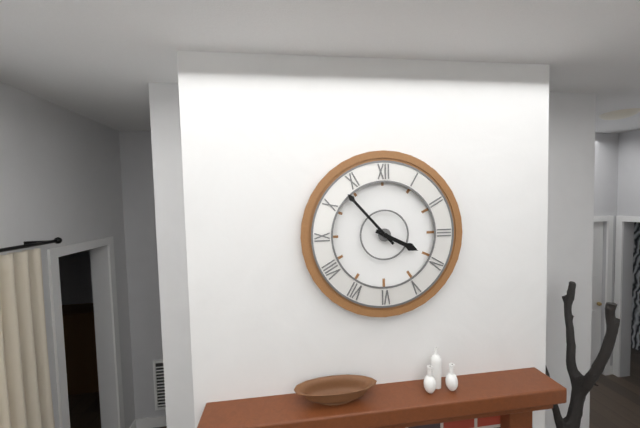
3 h 53 min
